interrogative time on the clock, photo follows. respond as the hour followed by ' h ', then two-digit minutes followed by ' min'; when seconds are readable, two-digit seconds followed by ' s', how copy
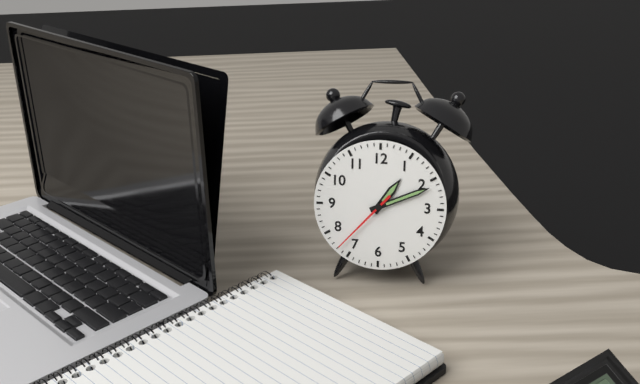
1 h 11 min 37 s
